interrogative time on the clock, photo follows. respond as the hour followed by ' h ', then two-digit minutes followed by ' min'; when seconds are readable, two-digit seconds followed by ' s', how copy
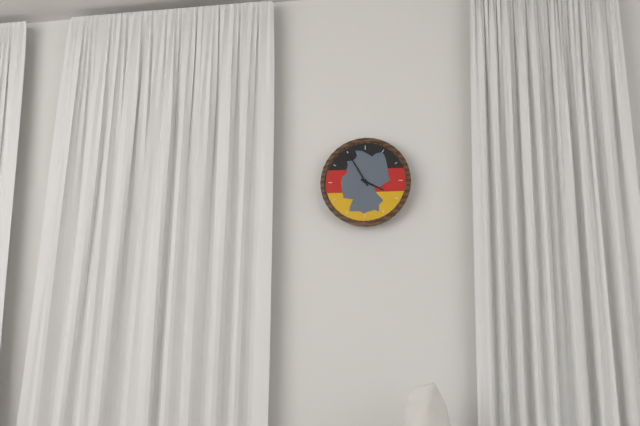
3 h 55 min
